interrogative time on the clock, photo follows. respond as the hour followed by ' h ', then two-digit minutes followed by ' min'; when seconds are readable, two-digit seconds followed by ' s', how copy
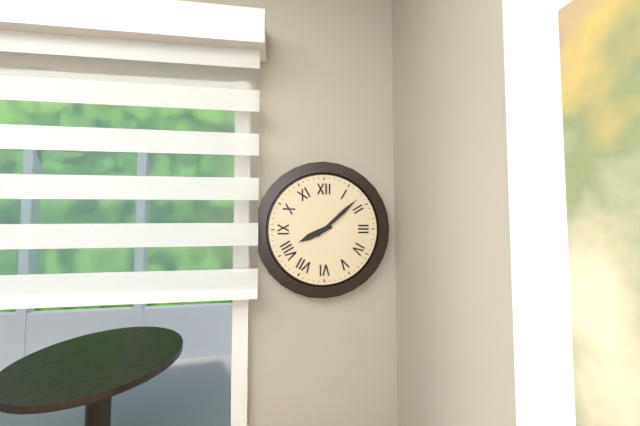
8 h 08 min
